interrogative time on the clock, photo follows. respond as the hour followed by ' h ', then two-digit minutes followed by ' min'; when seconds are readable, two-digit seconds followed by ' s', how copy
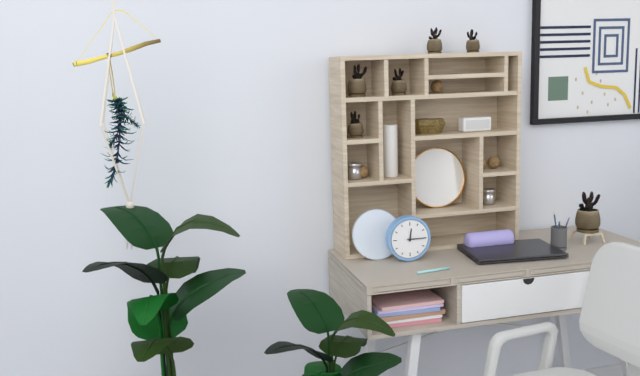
12 h 15 min
